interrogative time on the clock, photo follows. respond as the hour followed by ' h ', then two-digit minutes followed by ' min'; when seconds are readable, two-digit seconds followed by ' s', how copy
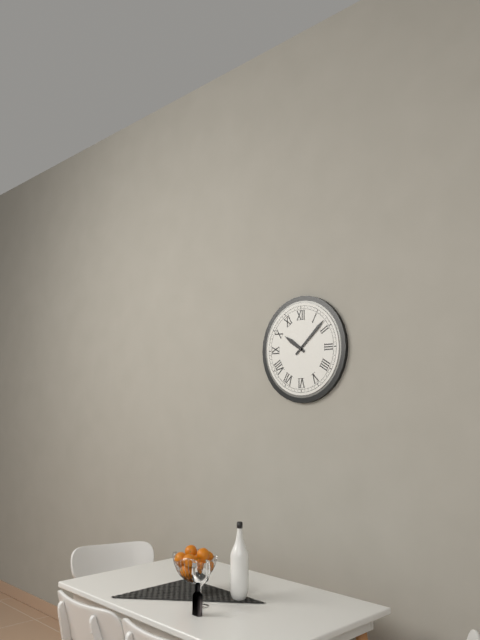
10 h 08 min
